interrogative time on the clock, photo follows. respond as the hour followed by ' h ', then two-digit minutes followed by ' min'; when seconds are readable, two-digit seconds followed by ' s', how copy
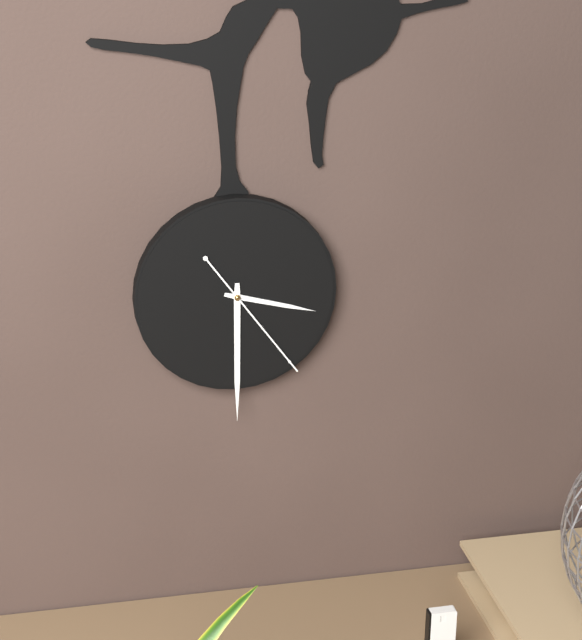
3 h 30 min 24 s
